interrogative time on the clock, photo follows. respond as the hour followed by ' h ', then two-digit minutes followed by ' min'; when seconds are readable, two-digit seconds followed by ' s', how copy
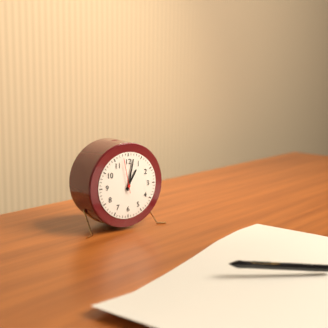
1 h 02 min
